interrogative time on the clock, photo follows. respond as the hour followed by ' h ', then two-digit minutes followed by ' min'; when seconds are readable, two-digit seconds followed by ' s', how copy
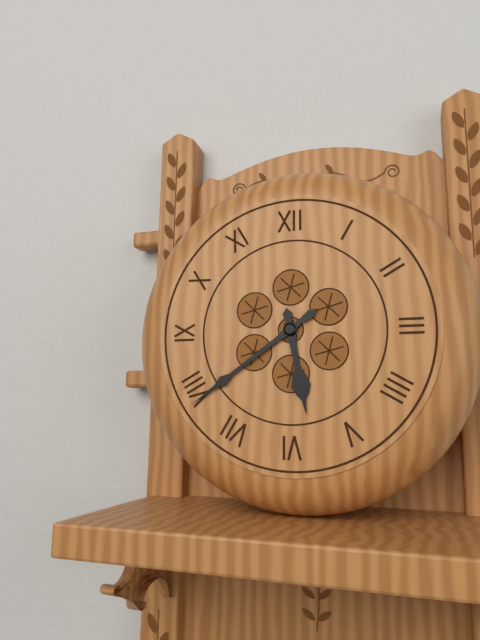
5 h 39 min
